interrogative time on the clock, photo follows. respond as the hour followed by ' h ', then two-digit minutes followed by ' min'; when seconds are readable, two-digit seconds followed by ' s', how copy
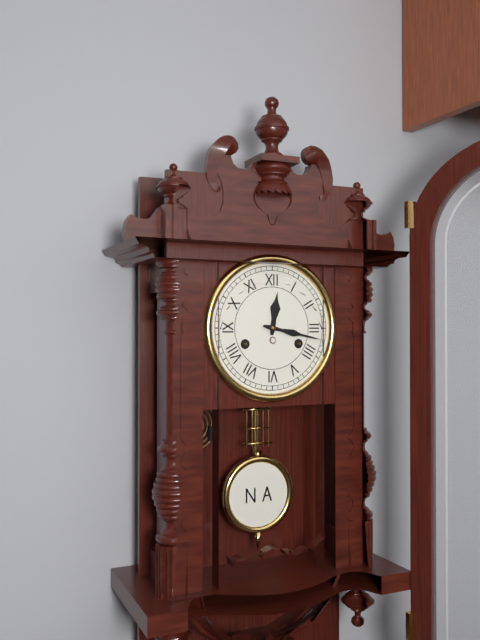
12 h 17 min
